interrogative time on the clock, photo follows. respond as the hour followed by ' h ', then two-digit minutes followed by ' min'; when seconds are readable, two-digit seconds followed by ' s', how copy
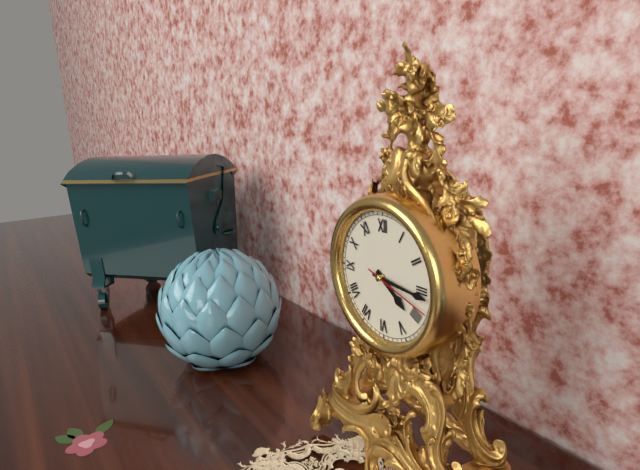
4 h 16 min 18 s
